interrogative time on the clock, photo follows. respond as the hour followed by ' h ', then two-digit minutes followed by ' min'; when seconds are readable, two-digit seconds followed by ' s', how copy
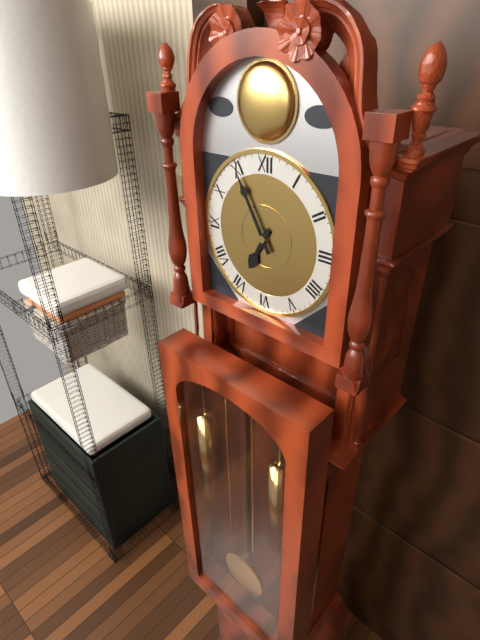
6 h 55 min
